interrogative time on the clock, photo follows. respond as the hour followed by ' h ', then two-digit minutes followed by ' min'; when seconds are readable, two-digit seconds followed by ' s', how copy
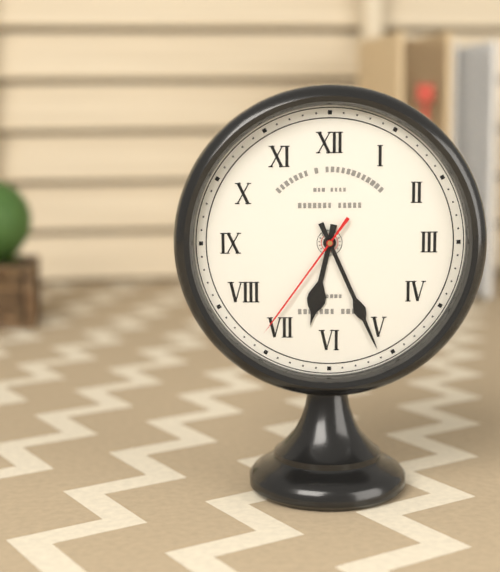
6 h 26 min 36 s
